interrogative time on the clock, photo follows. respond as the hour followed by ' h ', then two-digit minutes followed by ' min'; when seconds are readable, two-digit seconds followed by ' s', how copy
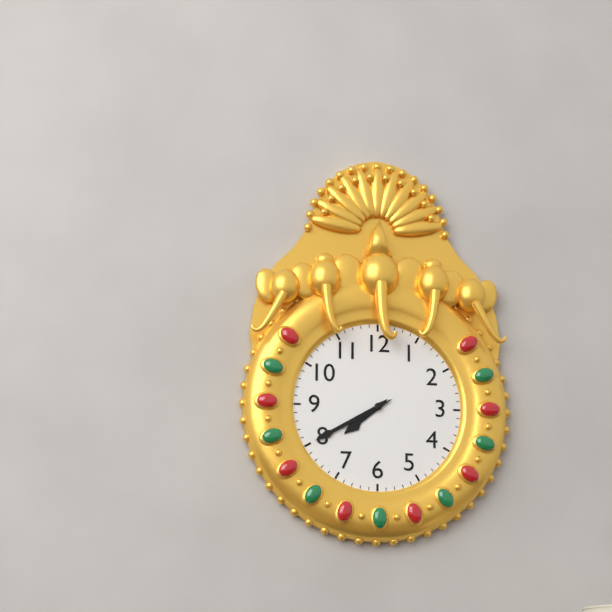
7 h 40 min
